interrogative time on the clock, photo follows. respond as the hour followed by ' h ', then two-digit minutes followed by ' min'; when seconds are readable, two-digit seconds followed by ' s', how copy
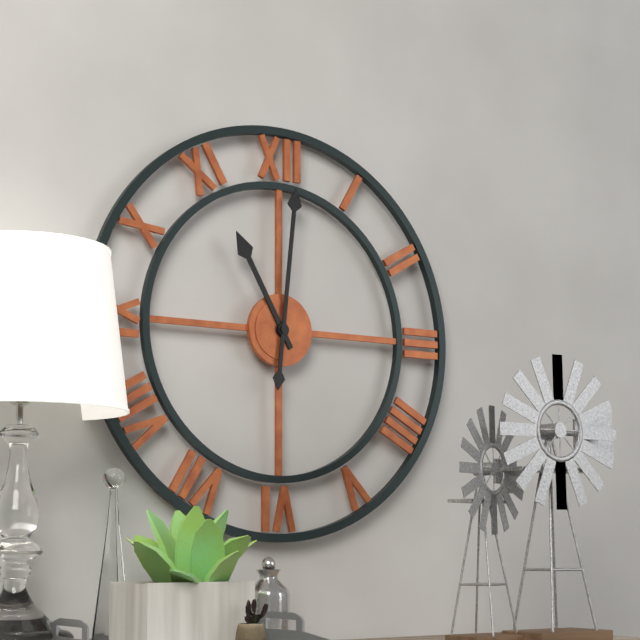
11 h 01 min
